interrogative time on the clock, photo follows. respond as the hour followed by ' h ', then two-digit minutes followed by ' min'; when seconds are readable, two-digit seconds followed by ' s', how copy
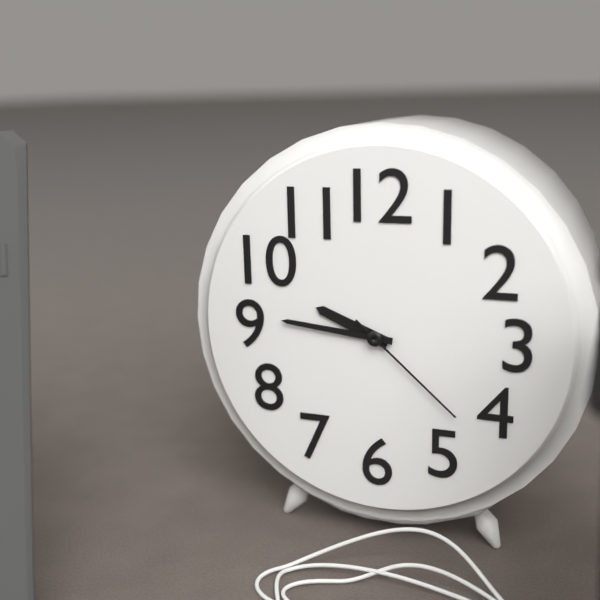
9 h 46 min 22 s
